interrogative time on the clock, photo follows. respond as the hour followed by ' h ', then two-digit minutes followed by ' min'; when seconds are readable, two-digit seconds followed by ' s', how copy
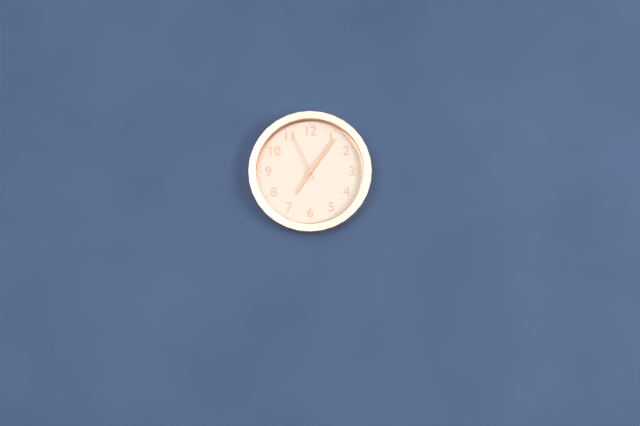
7 h 06 min
